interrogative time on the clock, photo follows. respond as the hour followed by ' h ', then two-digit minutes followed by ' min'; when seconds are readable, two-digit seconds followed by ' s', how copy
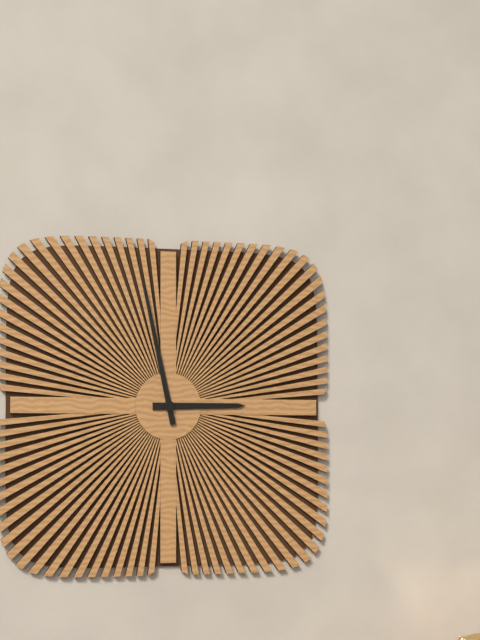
2 h 58 min
